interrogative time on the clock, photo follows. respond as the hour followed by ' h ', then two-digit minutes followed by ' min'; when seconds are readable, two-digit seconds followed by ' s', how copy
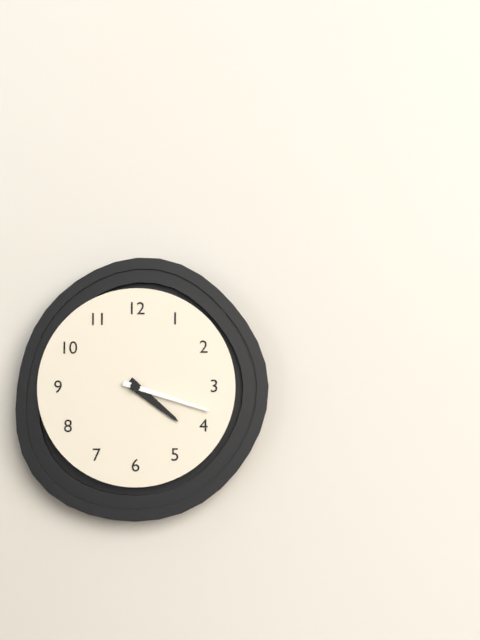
4 h 18 min
